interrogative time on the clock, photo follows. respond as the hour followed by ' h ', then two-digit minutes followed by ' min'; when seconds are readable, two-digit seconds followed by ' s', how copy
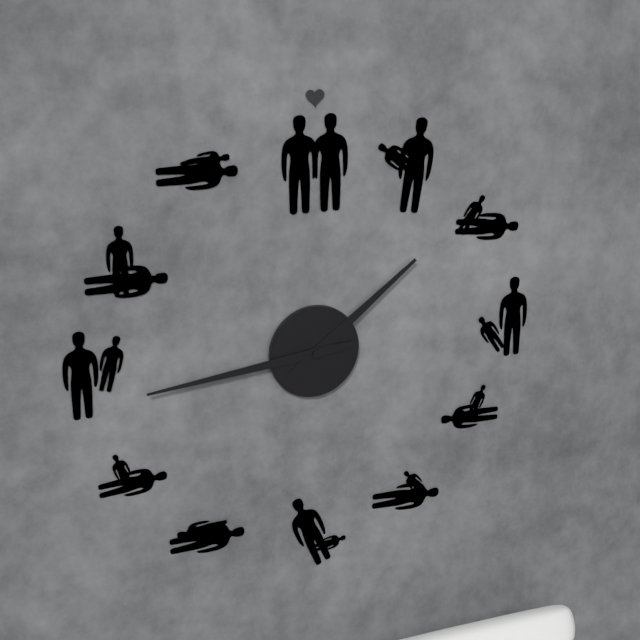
1 h 44 min
